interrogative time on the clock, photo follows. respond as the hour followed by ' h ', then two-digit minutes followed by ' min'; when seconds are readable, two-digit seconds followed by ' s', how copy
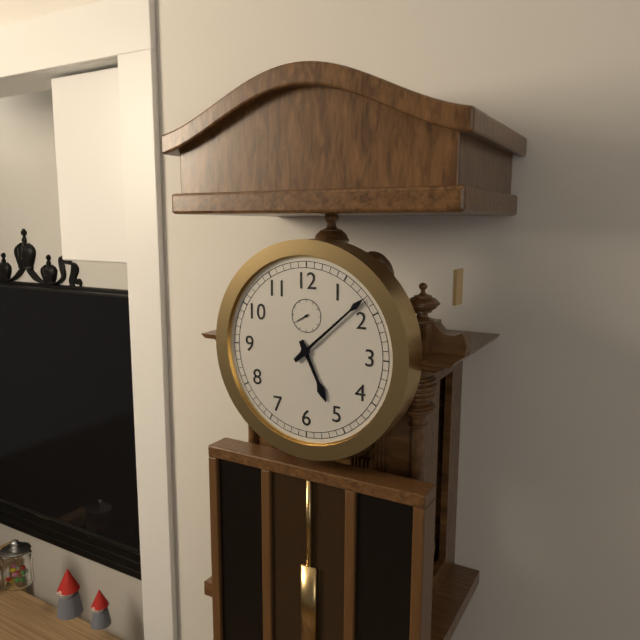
5 h 08 min
